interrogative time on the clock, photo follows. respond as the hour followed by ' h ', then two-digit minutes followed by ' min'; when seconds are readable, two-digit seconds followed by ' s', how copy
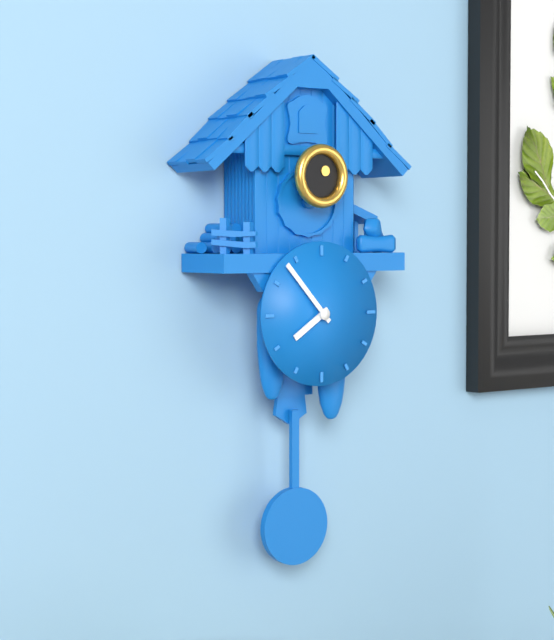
7 h 53 min
